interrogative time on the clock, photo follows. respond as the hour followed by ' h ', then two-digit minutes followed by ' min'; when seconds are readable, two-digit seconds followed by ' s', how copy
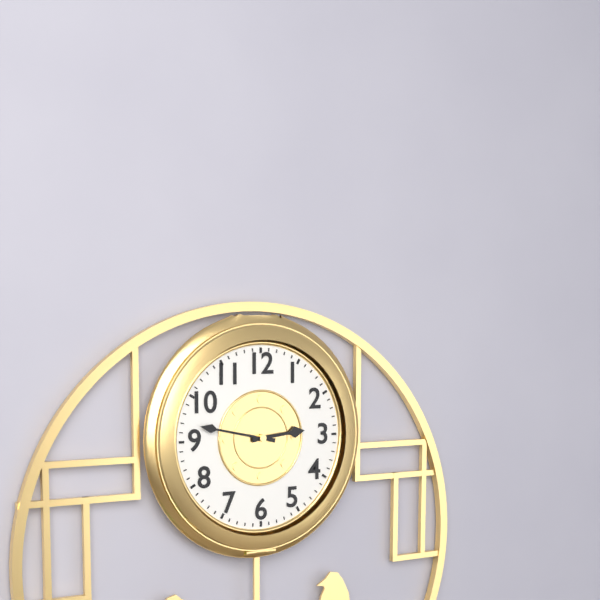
2 h 47 min
